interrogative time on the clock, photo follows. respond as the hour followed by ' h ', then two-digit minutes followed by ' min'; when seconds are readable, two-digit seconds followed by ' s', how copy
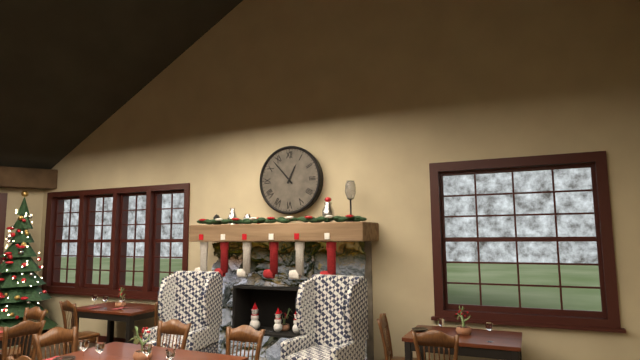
12 h 53 min
